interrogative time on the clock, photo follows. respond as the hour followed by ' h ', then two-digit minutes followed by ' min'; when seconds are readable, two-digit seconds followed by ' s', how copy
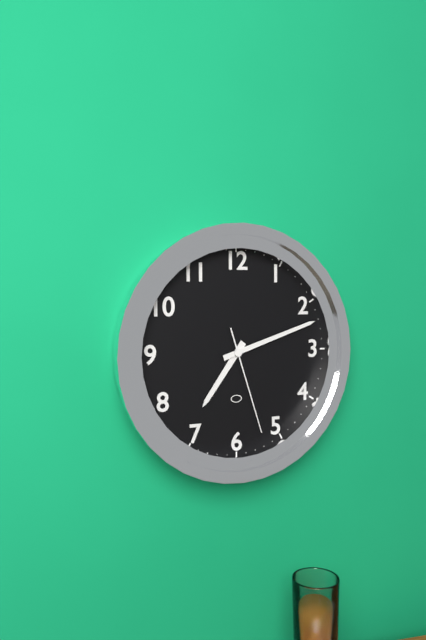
7 h 12 min 27 s
